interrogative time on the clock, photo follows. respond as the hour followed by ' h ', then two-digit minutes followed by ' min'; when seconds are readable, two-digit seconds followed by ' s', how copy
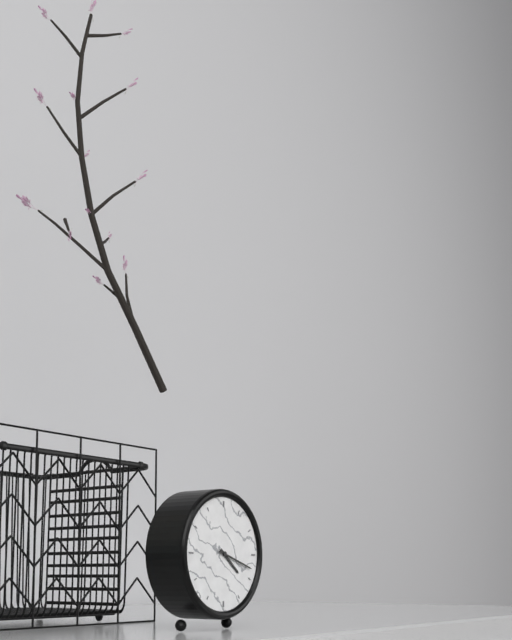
4 h 18 min
